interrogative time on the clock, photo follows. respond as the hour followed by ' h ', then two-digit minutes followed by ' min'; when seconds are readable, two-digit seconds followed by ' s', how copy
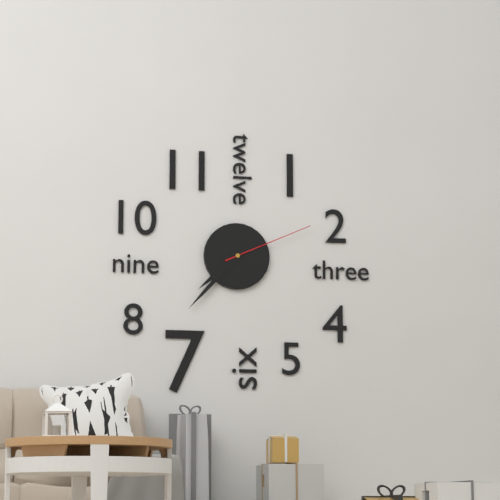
7 h 37 min 11 s
